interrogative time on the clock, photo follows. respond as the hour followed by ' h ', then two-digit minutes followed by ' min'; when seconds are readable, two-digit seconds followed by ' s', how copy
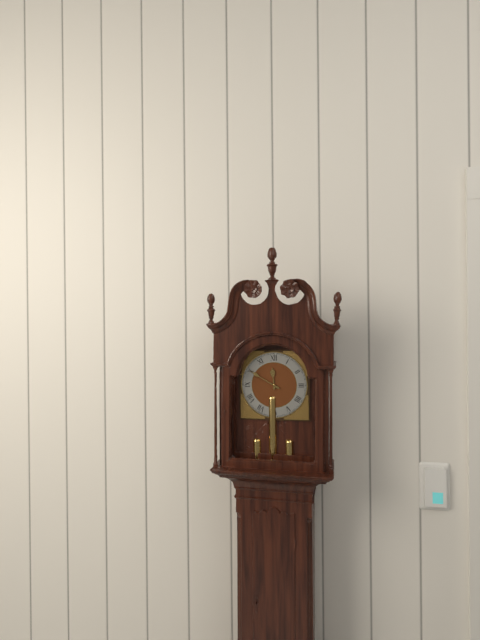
11 h 50 min
